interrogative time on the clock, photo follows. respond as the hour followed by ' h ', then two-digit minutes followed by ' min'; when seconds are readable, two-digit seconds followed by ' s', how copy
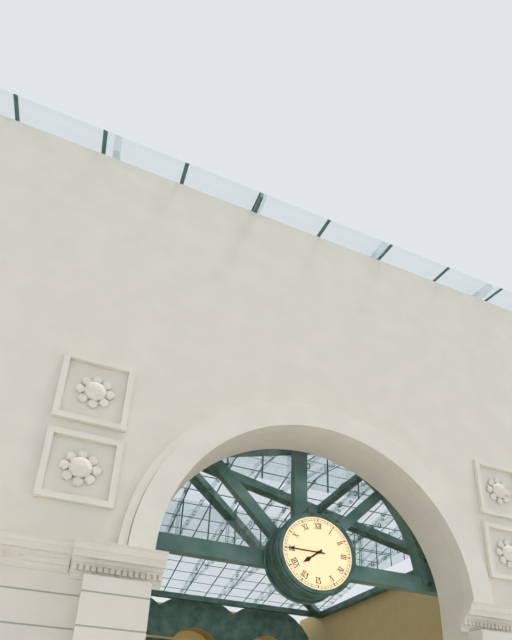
7 h 45 min
